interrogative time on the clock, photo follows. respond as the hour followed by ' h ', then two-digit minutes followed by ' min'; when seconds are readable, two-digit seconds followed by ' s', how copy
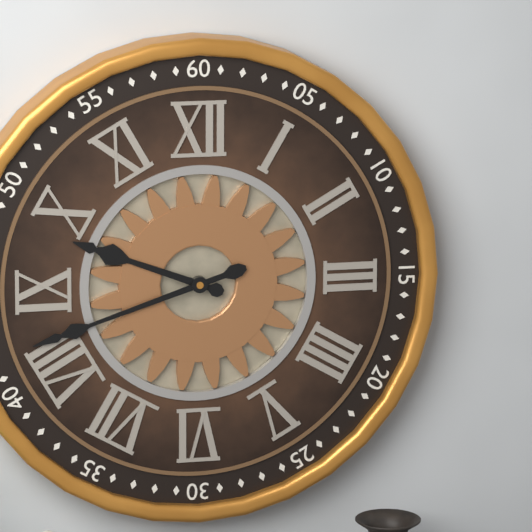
9 h 42 min
